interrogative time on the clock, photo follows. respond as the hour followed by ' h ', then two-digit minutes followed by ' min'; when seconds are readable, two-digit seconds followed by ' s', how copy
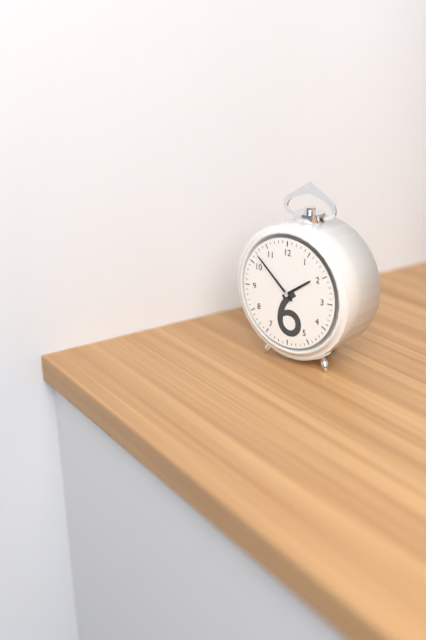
1 h 52 min
